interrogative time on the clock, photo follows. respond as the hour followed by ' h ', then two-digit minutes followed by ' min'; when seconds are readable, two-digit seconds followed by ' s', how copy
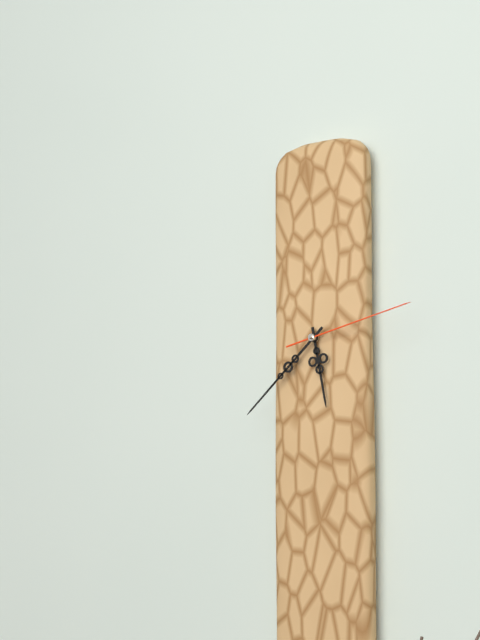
5 h 38 min 13 s
